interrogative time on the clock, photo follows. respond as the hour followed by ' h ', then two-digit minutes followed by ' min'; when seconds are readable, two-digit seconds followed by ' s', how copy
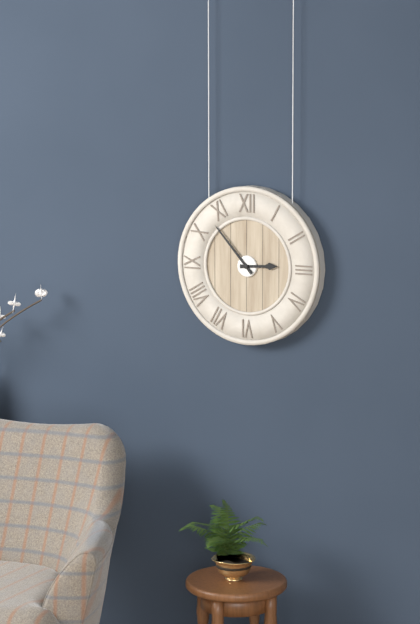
2 h 53 min
